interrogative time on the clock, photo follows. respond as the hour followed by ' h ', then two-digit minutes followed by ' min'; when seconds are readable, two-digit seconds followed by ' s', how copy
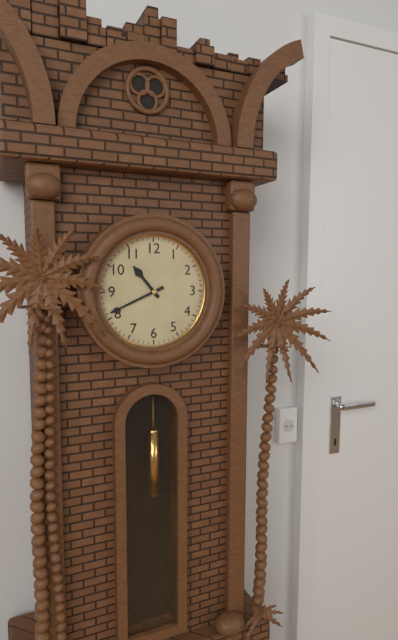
10 h 41 min
